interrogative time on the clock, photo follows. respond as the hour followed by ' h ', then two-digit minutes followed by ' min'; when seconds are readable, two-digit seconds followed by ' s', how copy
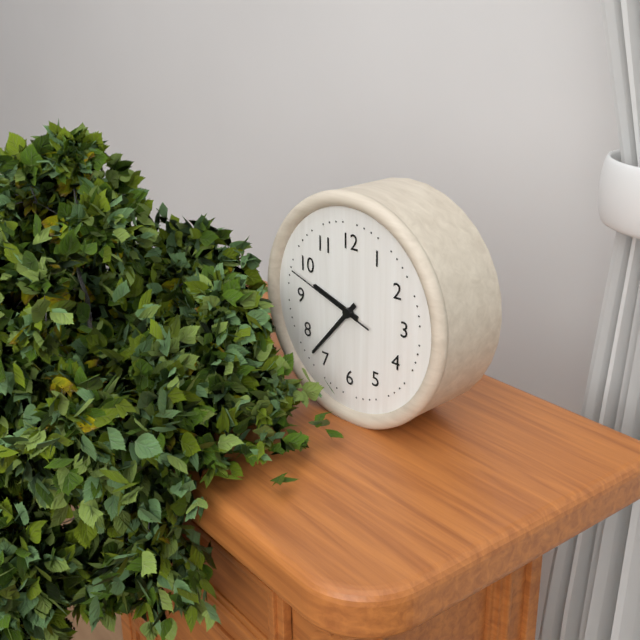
9 h 37 min 48 s
